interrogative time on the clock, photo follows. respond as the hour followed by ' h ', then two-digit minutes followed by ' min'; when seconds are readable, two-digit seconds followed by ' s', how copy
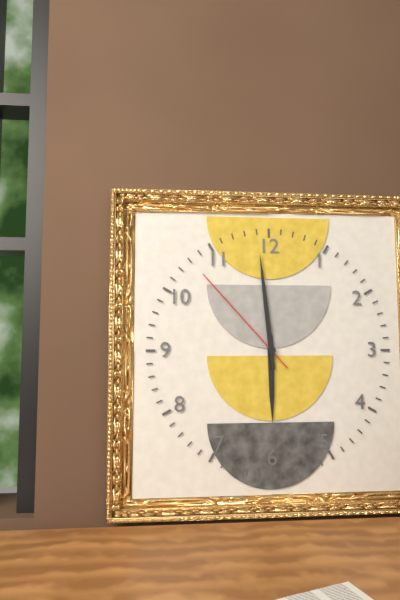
5 h 59 min 53 s
